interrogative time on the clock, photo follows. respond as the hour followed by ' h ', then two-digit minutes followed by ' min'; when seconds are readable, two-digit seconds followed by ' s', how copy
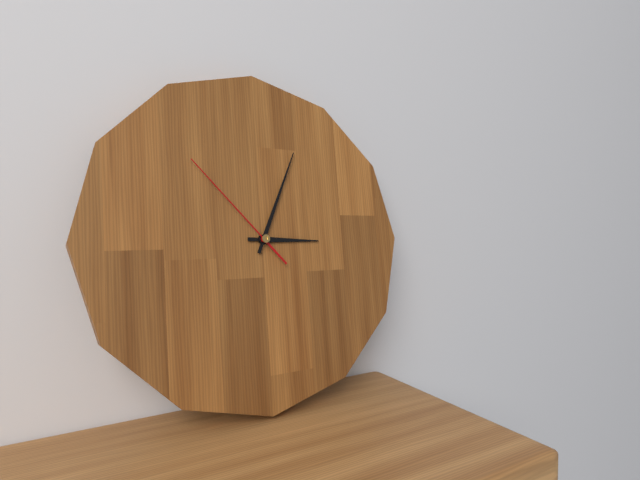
3 h 04 min 53 s
